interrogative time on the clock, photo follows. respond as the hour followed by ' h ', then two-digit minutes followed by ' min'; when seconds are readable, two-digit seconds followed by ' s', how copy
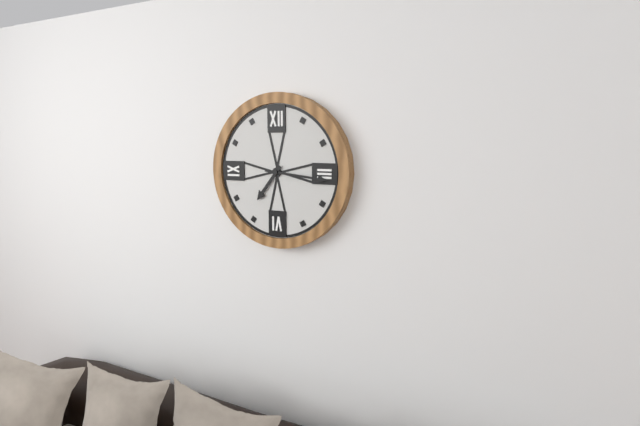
7 h 16 min
